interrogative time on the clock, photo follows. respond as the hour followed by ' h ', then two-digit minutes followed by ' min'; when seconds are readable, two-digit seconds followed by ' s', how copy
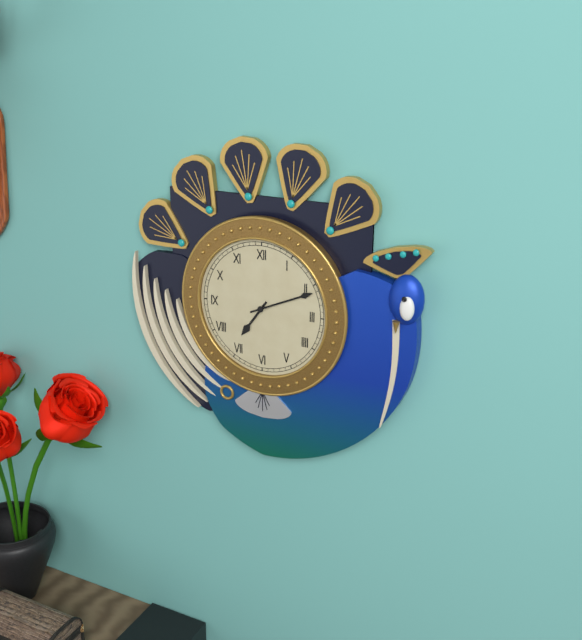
7 h 11 min
